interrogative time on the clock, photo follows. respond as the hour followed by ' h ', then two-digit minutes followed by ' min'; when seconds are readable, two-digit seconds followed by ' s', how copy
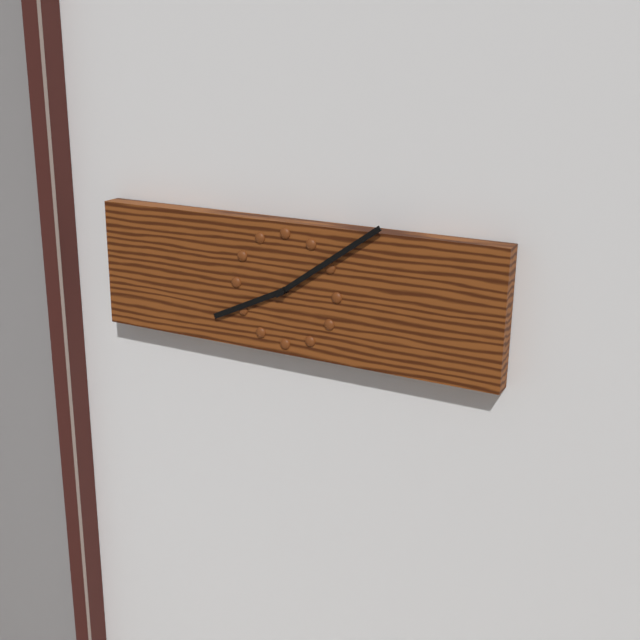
8 h 09 min
